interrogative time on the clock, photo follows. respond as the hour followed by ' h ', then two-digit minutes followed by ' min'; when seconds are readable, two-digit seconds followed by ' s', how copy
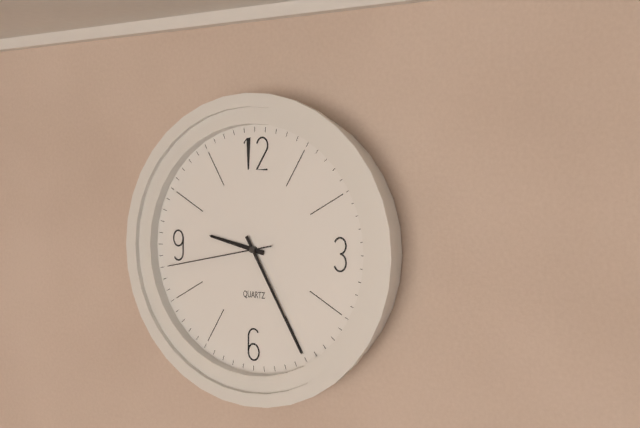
9 h 25 min 43 s
